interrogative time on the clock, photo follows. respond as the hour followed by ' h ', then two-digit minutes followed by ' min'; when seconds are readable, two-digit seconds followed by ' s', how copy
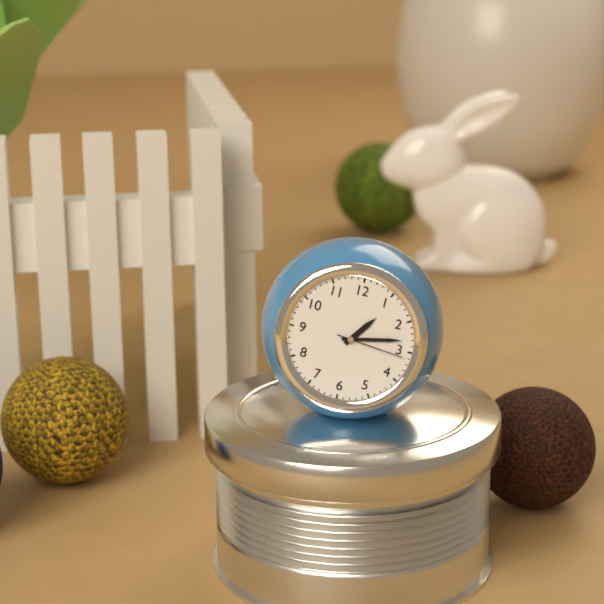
1 h 13 min 16 s
